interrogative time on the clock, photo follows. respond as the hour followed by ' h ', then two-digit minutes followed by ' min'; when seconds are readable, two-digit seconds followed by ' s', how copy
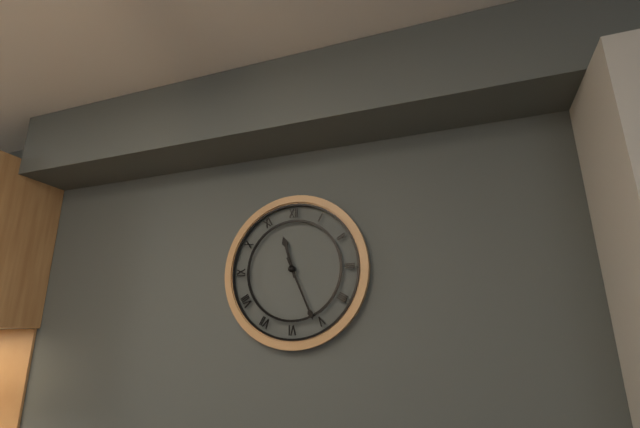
11 h 26 min
